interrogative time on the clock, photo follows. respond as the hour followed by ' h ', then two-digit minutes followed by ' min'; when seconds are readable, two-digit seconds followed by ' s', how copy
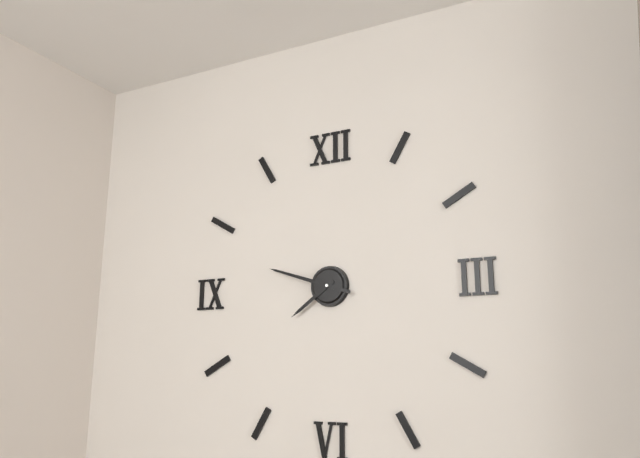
7 h 48 min
